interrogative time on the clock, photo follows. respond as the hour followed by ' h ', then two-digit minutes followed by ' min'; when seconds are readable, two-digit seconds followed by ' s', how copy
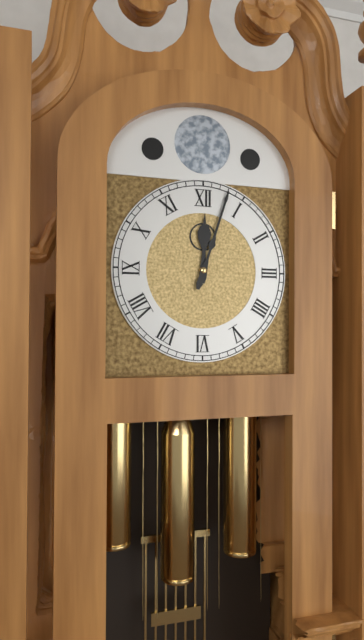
12 h 03 min
